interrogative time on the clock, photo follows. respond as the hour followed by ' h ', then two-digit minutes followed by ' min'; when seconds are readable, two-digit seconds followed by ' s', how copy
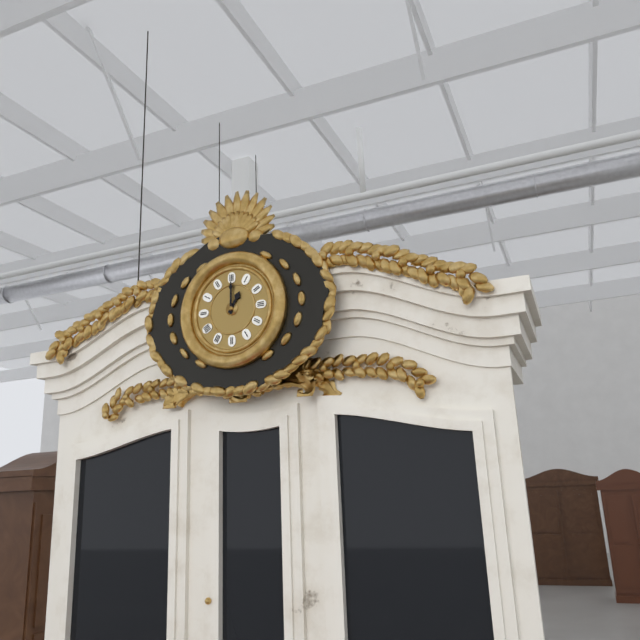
1 h 00 min
